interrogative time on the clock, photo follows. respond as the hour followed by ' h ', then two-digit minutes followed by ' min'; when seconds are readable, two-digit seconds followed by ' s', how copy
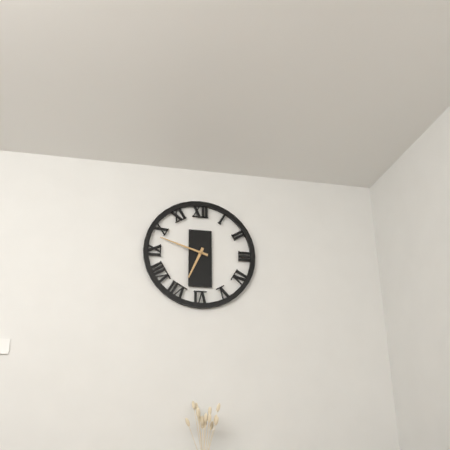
6 h 48 min
